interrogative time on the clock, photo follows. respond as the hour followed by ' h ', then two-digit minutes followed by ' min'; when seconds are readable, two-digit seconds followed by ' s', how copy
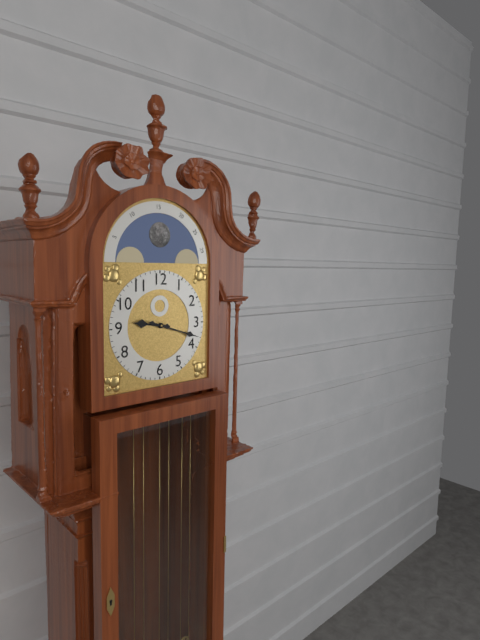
9 h 18 min
